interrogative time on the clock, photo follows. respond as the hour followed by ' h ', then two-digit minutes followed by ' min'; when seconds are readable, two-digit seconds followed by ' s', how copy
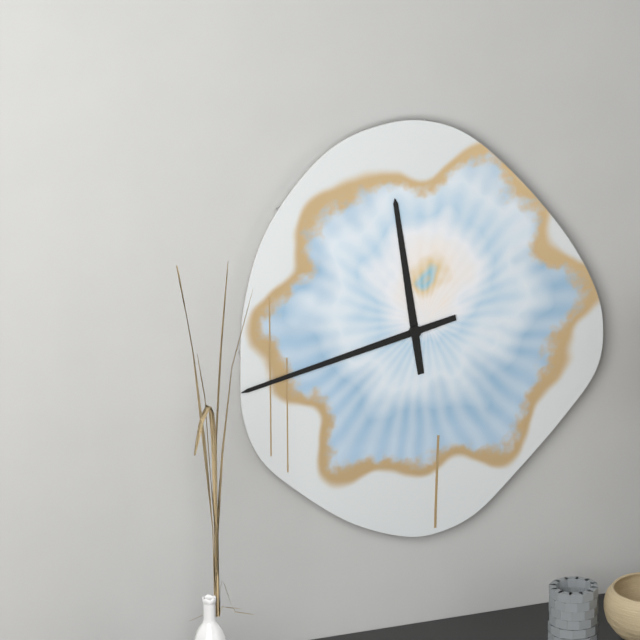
11 h 43 min
